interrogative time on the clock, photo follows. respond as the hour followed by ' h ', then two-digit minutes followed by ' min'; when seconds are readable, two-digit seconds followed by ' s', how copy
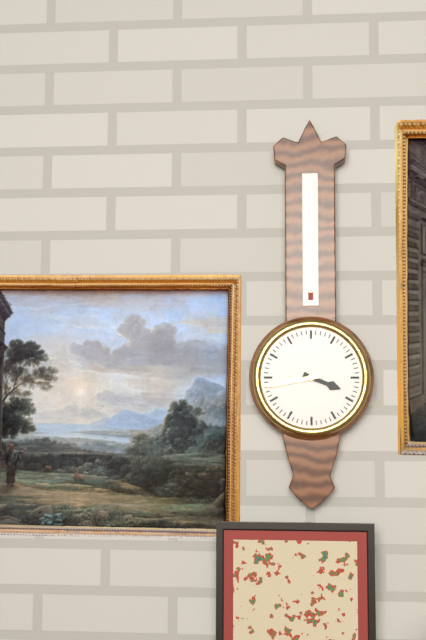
3 h 43 min
